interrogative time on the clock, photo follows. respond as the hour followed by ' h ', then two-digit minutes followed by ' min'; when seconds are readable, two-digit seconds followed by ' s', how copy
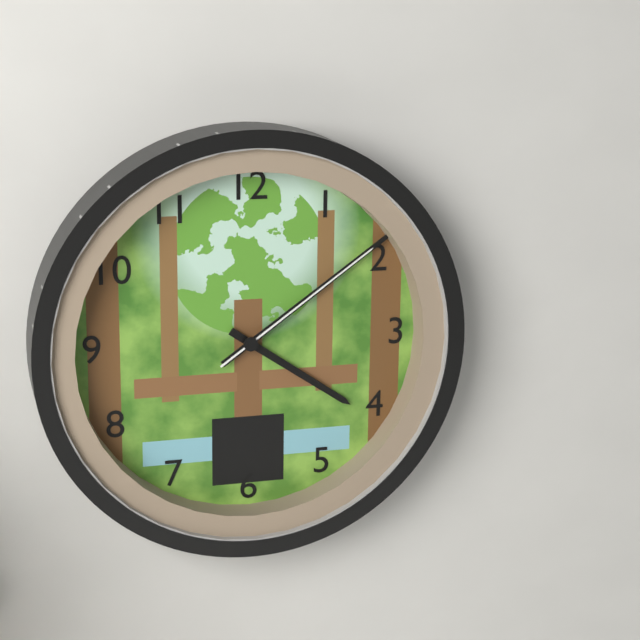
4 h 09 min 09 s
